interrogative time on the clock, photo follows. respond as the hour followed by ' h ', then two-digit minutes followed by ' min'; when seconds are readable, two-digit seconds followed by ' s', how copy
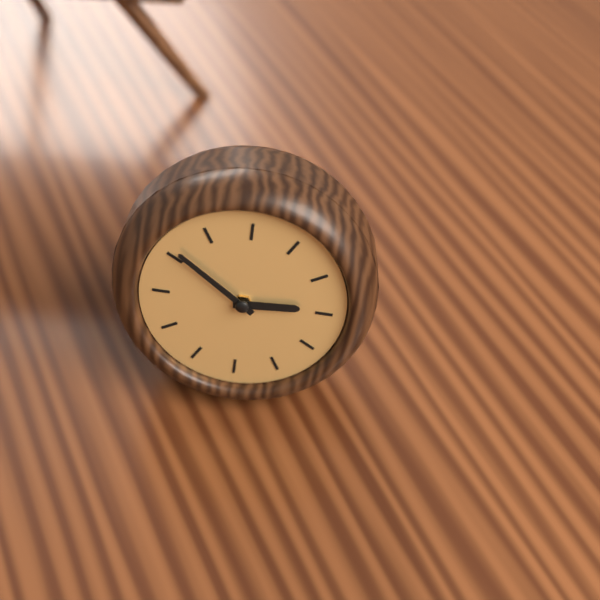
2 h 51 min
